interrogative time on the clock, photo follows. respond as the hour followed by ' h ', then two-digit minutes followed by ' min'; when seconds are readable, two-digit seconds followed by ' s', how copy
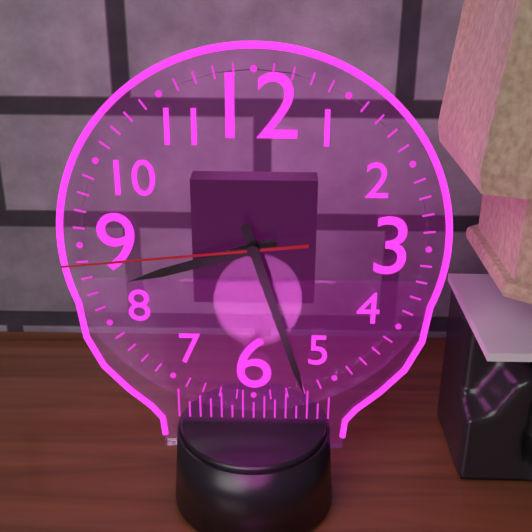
8 h 27 min 44 s
